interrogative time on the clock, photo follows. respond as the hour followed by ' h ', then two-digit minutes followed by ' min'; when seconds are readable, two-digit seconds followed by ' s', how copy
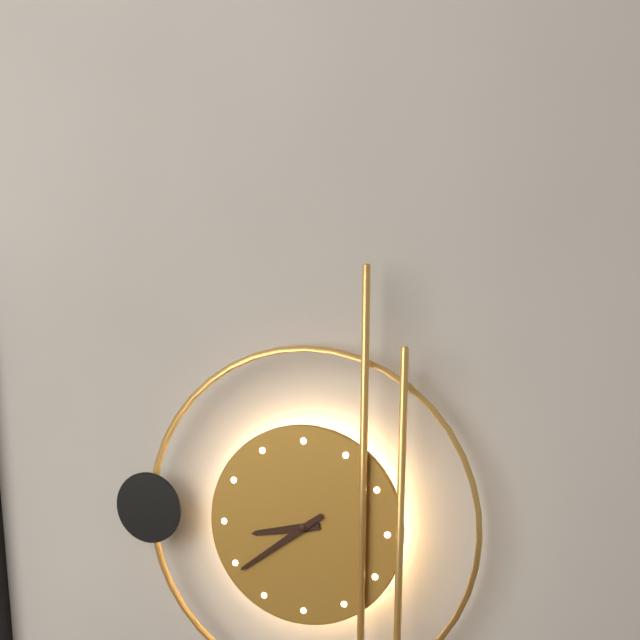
8 h 39 min
